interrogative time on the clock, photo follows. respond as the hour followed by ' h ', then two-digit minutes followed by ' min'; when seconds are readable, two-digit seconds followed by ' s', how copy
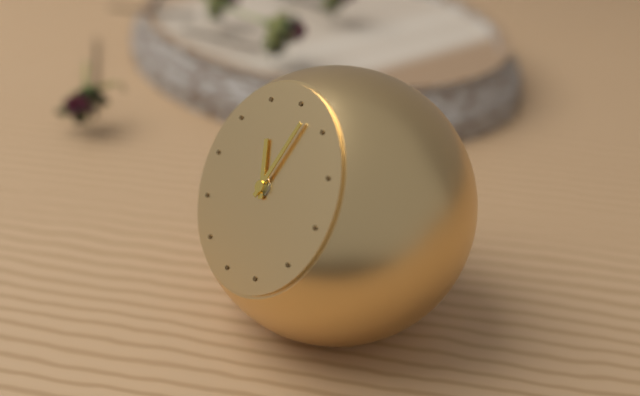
11 h 02 min
